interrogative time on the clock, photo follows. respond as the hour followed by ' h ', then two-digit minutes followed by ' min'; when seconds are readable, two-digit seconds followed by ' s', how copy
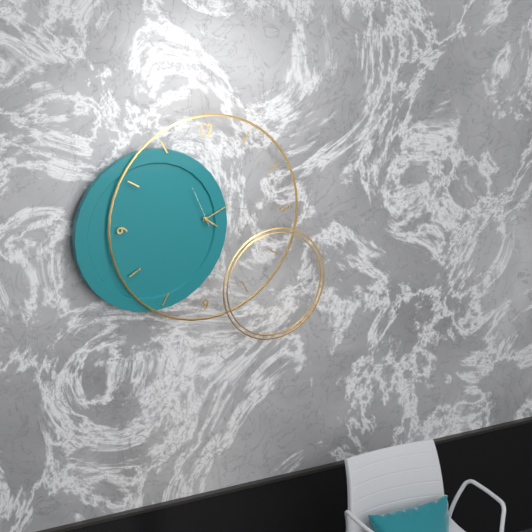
4 h 11 min
